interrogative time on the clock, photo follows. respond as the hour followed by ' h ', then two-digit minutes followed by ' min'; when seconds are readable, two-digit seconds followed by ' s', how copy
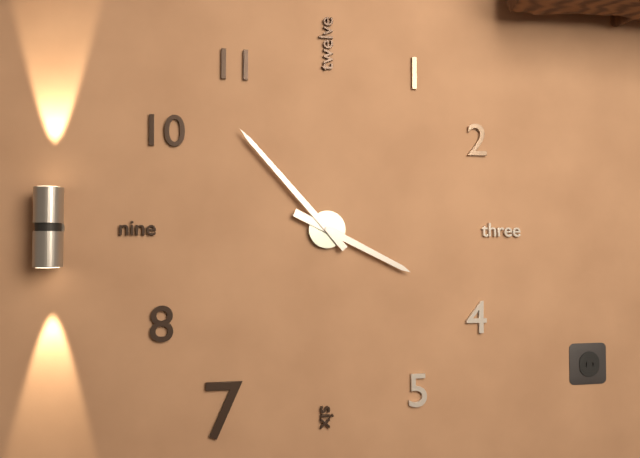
3 h 53 min
